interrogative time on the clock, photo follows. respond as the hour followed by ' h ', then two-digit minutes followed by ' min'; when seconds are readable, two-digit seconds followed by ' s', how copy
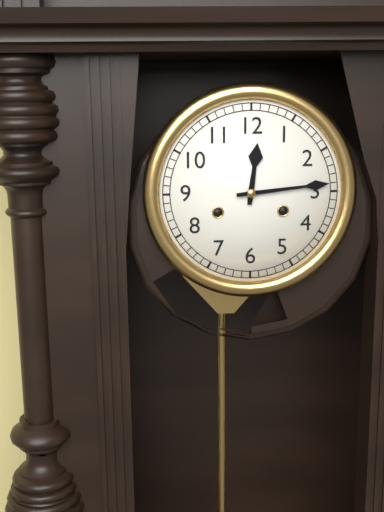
12 h 14 min
